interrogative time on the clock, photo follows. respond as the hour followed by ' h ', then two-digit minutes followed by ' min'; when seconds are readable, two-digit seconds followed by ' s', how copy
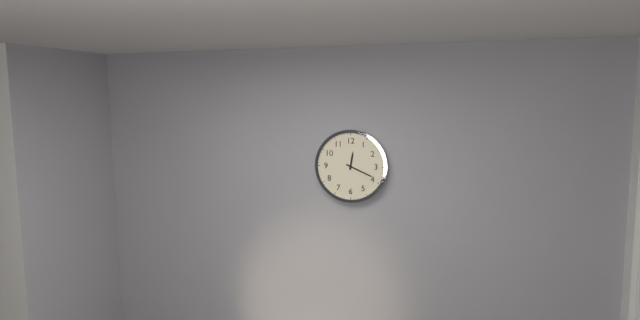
12 h 19 min
